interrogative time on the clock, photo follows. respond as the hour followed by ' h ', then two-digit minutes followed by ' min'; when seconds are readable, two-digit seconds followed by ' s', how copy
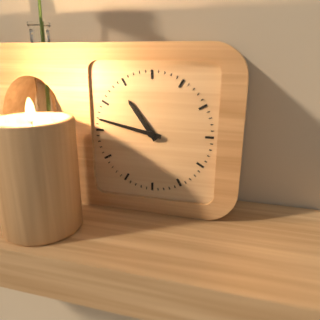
10 h 47 min
